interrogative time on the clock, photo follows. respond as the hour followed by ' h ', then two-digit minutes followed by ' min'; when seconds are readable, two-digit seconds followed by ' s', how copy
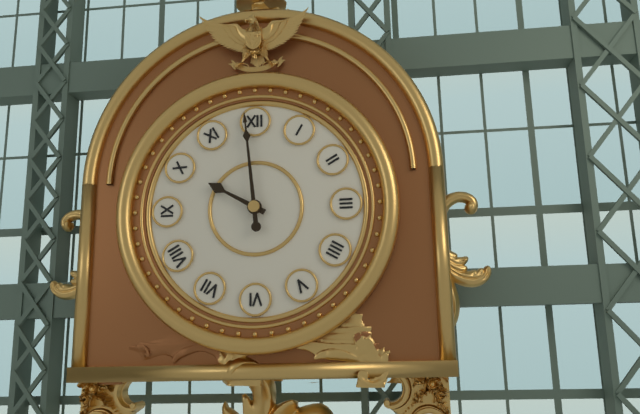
9 h 59 min
